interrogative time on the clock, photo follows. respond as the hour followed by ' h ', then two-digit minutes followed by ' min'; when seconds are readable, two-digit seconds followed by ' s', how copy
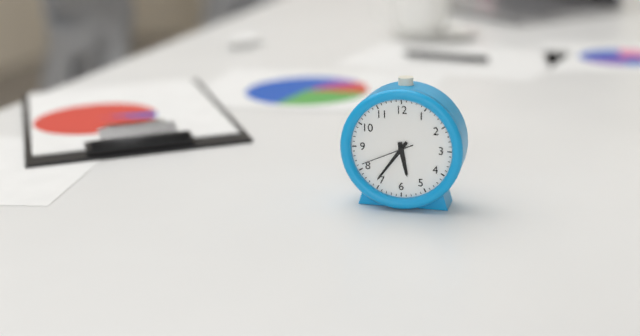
5 h 36 min 41 s
